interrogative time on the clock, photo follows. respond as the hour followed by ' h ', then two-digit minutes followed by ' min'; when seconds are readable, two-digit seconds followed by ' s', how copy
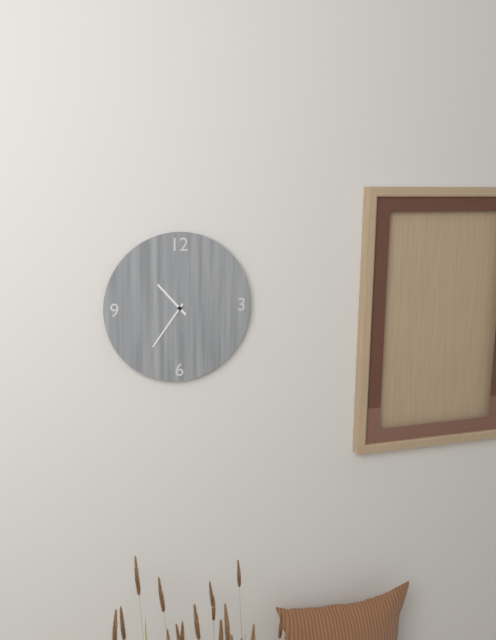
10 h 36 min
